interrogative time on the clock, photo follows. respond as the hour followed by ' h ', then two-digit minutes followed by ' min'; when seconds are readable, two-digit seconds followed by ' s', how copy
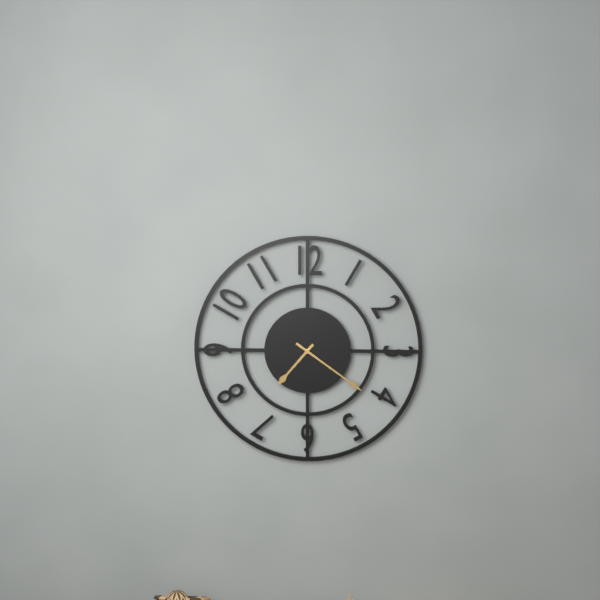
7 h 21 min
